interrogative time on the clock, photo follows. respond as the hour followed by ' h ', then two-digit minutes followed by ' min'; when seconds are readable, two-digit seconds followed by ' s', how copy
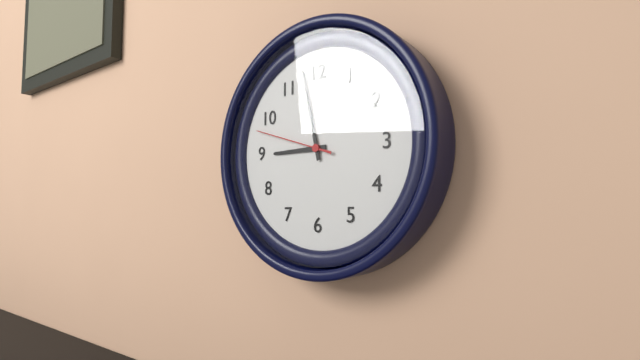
8 h 58 min 48 s
